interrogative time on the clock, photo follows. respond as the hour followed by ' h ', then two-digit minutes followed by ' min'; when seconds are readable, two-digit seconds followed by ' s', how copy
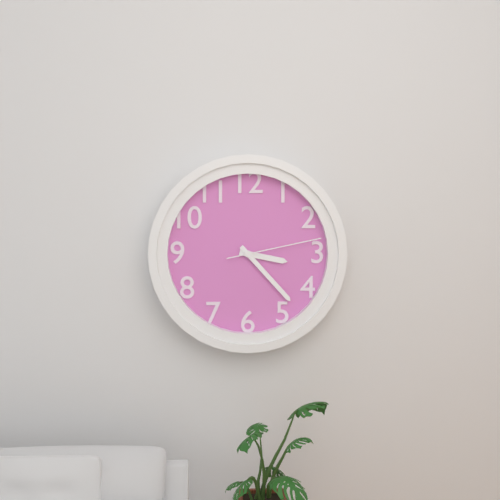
3 h 23 min 13 s
